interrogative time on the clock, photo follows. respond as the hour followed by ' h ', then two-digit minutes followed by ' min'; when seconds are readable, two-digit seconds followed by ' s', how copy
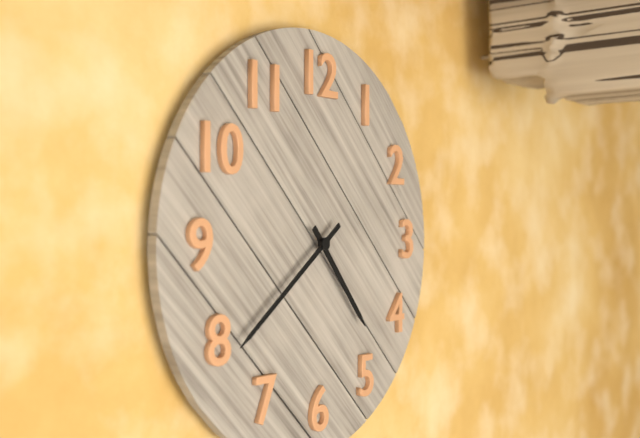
4 h 39 min
